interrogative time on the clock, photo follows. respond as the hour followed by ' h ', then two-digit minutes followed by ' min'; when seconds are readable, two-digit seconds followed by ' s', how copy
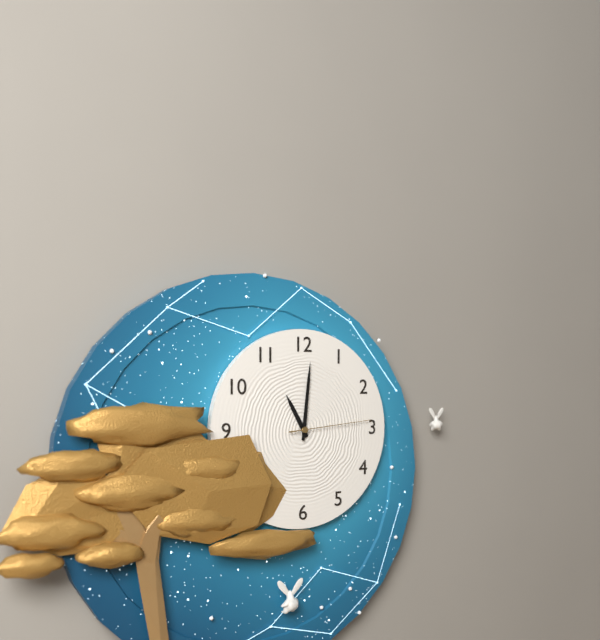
11 h 01 min 14 s
